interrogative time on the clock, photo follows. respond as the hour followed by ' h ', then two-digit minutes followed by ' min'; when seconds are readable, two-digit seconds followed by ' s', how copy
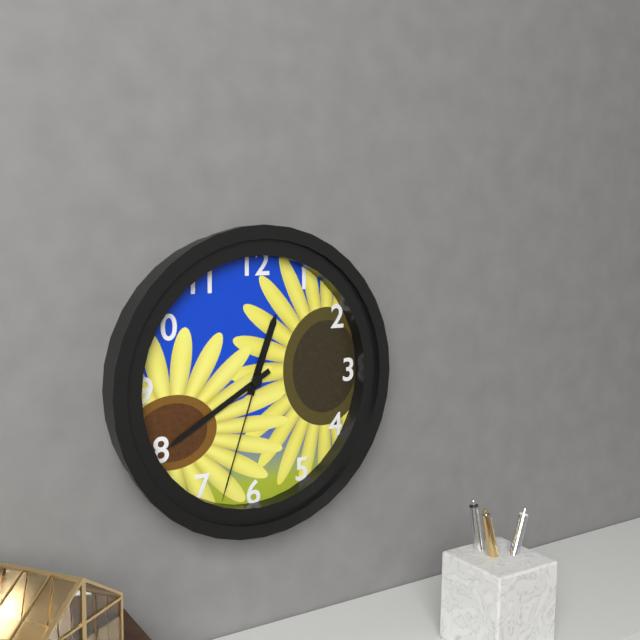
12 h 40 min 33 s
